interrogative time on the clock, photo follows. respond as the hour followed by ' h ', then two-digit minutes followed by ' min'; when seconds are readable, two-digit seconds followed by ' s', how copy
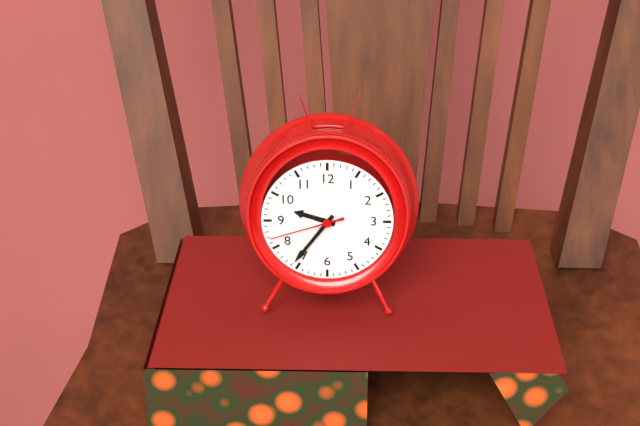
9 h 36 min 42 s
